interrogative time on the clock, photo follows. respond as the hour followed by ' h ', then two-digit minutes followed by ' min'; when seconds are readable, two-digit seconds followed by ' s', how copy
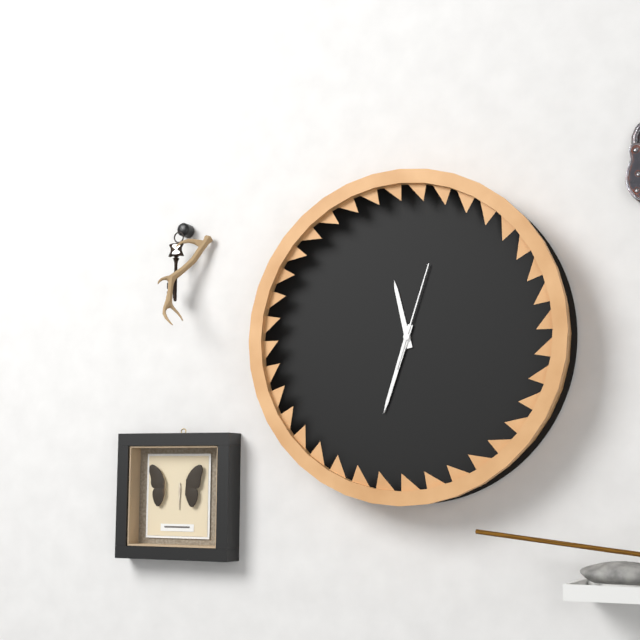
11 h 33 min 03 s
